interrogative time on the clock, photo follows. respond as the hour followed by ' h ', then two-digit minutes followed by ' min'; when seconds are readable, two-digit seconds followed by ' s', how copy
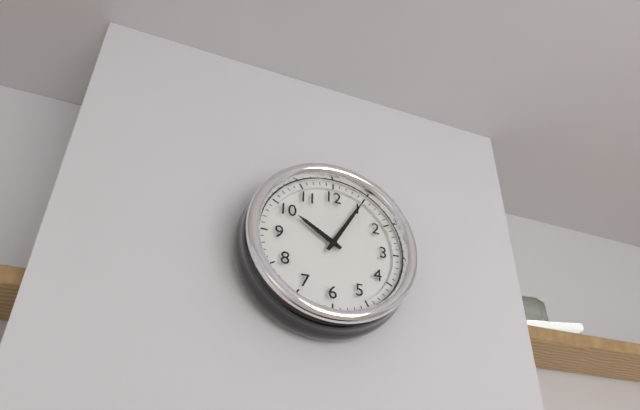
10 h 05 min
